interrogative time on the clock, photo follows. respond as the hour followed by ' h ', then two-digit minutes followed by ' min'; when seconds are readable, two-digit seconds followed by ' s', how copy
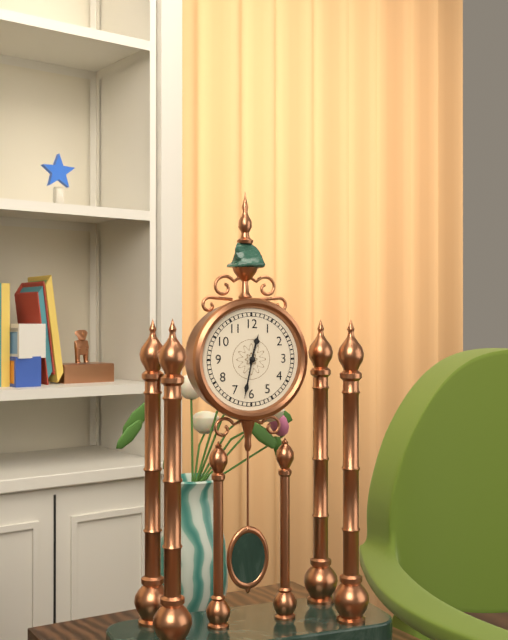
12 h 32 min
